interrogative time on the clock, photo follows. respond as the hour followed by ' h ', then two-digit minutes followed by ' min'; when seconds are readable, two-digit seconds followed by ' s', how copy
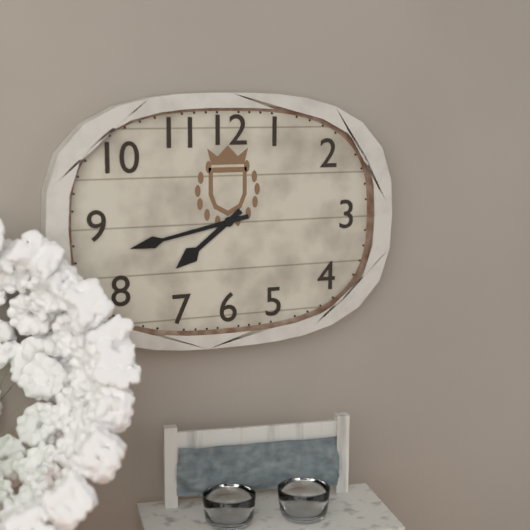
7 h 43 min
